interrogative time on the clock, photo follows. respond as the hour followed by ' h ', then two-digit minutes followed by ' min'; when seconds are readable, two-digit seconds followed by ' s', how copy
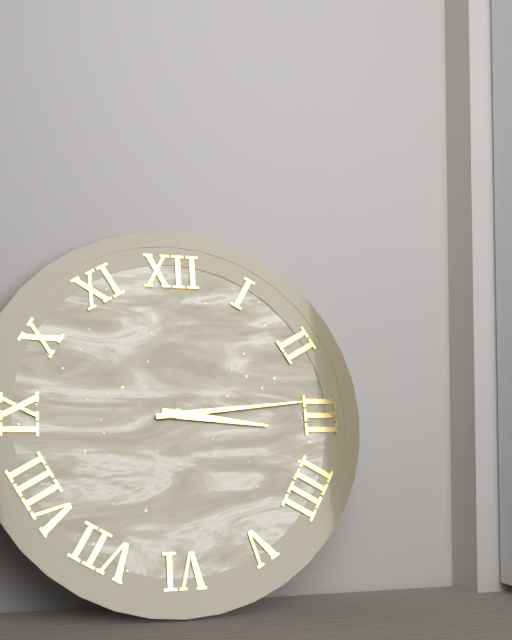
3 h 14 min
